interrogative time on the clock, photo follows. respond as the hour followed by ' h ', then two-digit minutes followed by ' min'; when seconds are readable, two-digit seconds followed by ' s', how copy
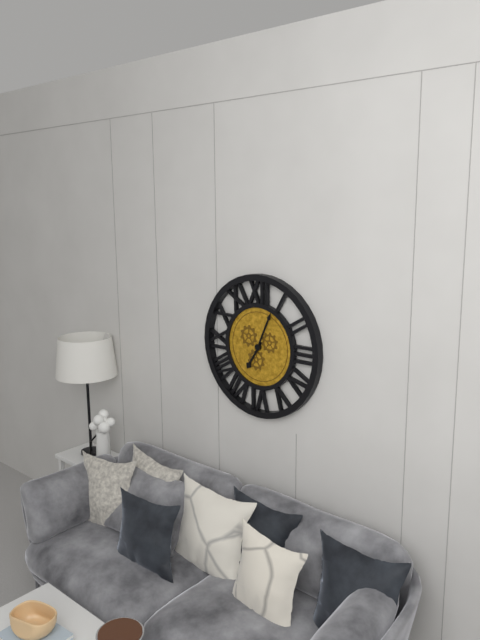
7 h 04 min
